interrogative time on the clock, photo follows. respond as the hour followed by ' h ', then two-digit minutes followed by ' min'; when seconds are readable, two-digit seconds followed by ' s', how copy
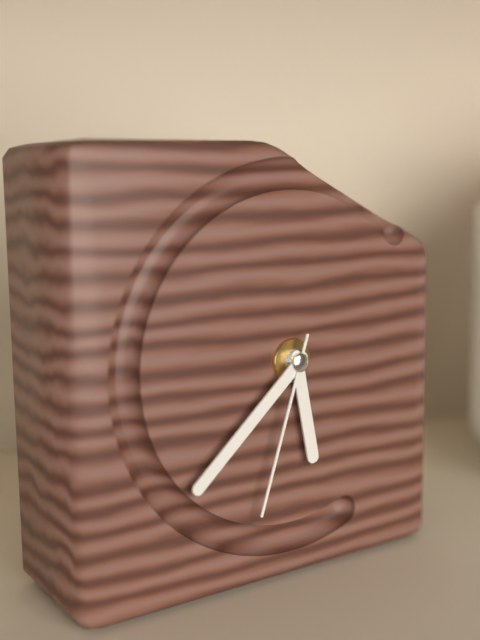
5 h 38 min 33 s
